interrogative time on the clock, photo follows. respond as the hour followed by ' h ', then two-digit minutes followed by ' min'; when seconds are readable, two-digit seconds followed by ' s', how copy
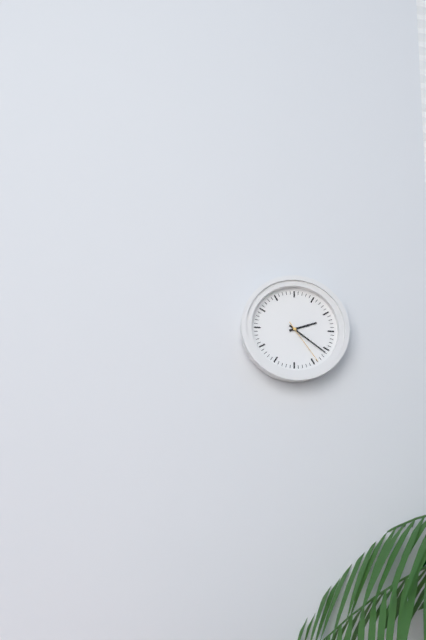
2 h 21 min
